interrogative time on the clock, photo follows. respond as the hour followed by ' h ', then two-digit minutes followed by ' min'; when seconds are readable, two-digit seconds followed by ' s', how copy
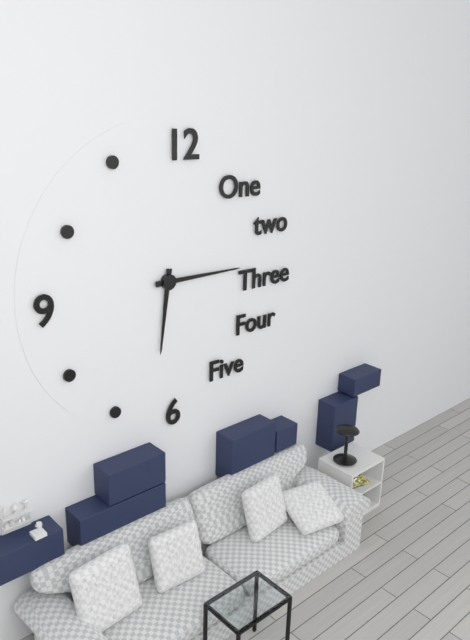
6 h 15 min
